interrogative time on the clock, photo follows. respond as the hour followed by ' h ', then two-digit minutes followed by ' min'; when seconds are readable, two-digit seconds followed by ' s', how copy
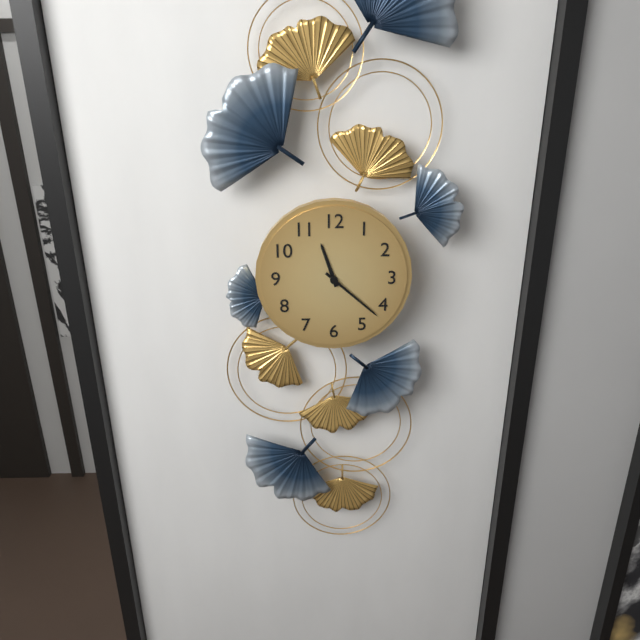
11 h 22 min
